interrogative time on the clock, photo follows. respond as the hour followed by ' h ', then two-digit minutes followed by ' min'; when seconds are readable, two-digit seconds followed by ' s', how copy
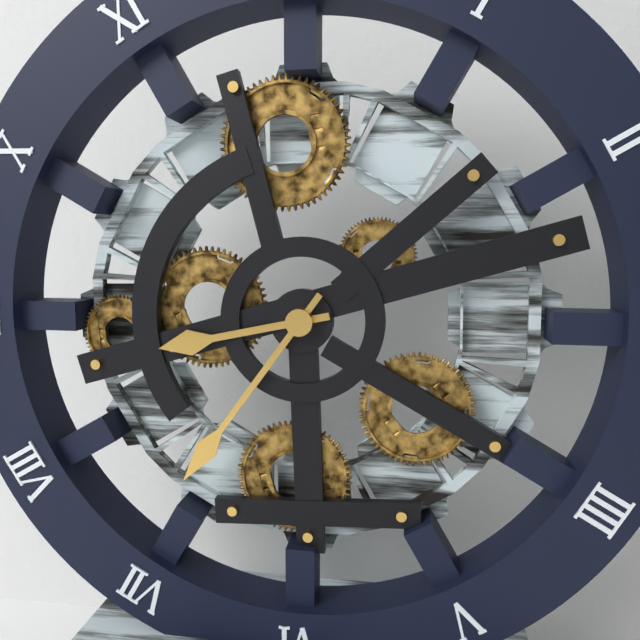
8 h 36 min
